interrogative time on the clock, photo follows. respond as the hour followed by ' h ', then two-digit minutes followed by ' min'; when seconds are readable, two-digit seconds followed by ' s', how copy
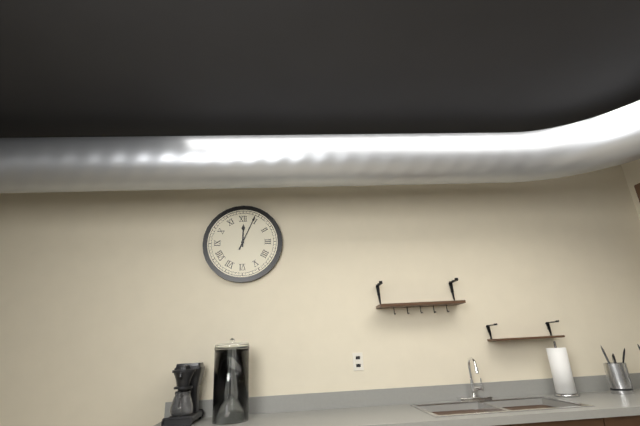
12 h 04 min
